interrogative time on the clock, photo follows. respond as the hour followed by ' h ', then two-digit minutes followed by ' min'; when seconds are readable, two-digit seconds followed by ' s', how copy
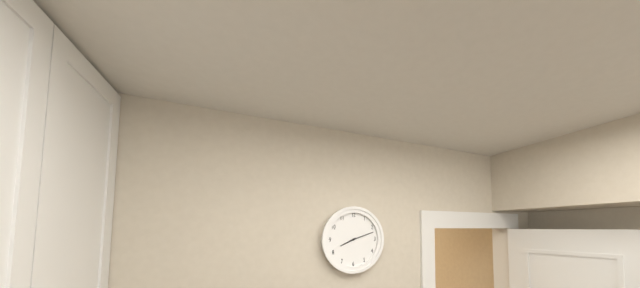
8 h 12 min
